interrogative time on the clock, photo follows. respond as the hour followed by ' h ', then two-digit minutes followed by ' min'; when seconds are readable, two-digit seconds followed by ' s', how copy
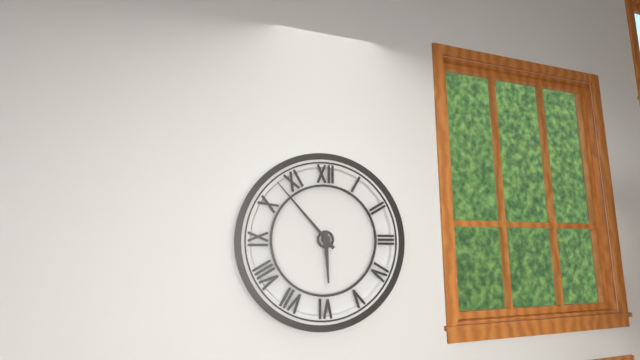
5 h 53 min
